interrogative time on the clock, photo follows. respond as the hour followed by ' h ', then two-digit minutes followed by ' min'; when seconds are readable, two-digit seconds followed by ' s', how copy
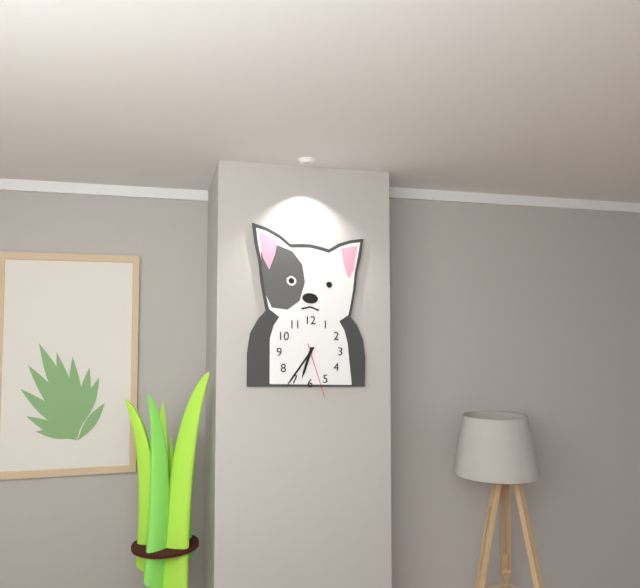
6 h 36 min 27 s
